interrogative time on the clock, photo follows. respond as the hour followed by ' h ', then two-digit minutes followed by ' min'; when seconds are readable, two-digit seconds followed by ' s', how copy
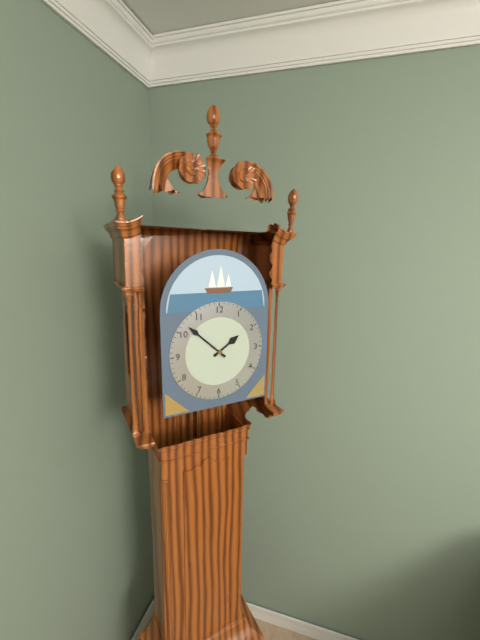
1 h 52 min
